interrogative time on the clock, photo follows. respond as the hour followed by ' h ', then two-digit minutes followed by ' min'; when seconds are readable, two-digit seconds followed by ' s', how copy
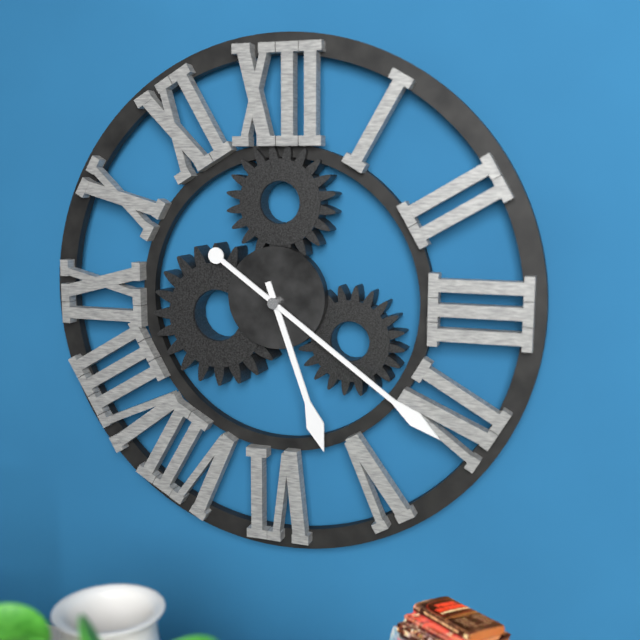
5 h 21 min
